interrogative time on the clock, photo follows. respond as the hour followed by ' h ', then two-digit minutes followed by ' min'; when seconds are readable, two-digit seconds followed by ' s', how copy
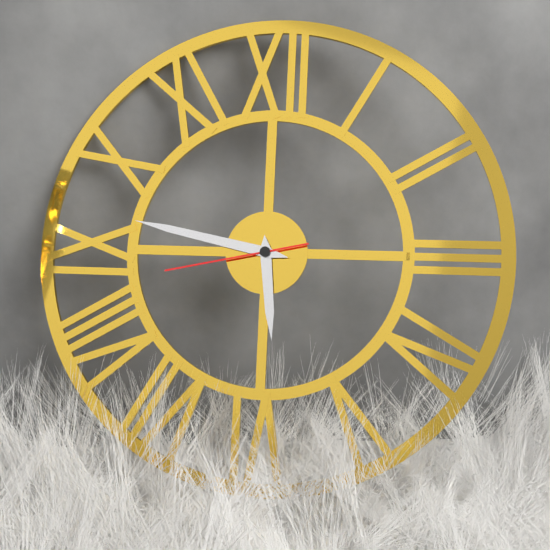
5 h 47 min 43 s
